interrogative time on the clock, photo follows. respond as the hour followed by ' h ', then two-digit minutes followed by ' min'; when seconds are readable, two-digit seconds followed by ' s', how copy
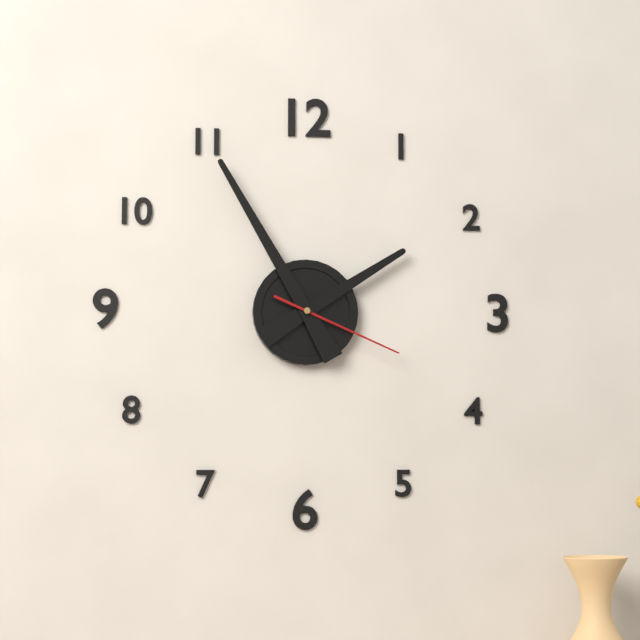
1 h 55 min 19 s
